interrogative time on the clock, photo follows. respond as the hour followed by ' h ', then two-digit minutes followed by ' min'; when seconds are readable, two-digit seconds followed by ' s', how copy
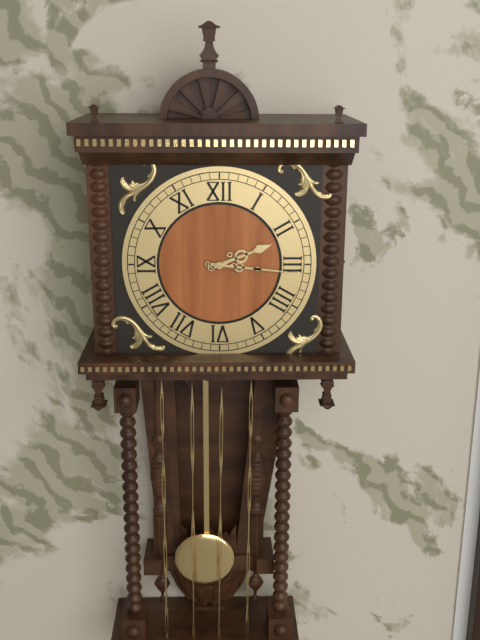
2 h 16 min
